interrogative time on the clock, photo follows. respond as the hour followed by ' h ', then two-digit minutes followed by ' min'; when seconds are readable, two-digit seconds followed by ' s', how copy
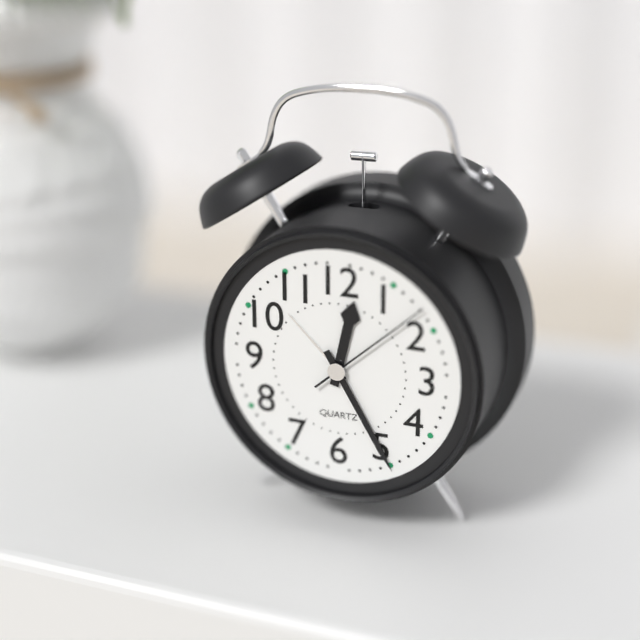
12 h 25 min 08 s
